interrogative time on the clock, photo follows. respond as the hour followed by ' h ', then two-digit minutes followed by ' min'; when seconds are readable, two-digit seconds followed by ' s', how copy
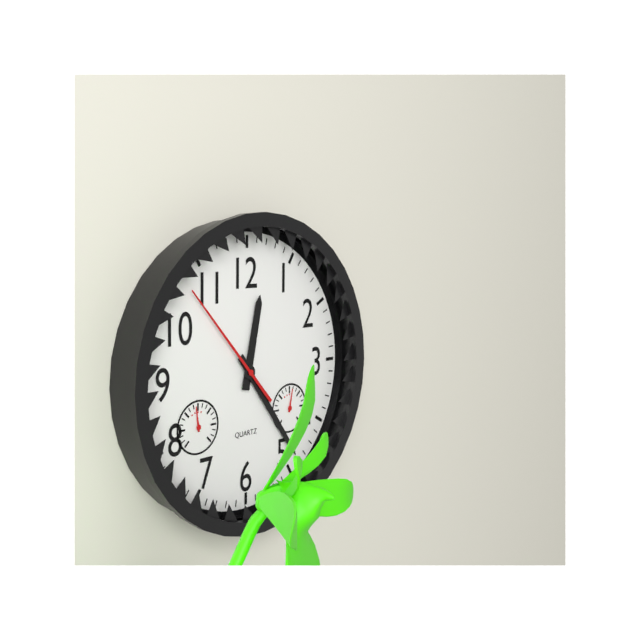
12 h 24 min 53 s
